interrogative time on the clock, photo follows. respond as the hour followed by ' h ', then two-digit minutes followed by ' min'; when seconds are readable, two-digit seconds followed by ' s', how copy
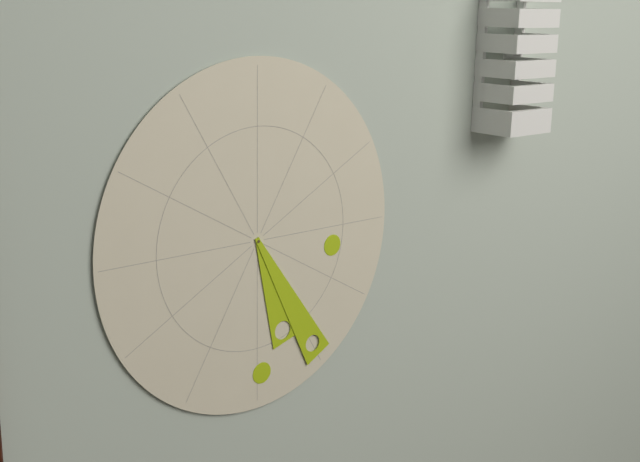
5 h 25 min
